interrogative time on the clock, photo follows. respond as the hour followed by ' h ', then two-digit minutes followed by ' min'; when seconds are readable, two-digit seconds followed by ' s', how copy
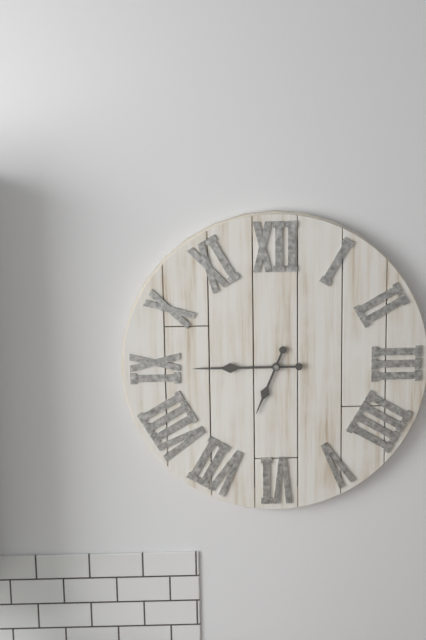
6 h 45 min
